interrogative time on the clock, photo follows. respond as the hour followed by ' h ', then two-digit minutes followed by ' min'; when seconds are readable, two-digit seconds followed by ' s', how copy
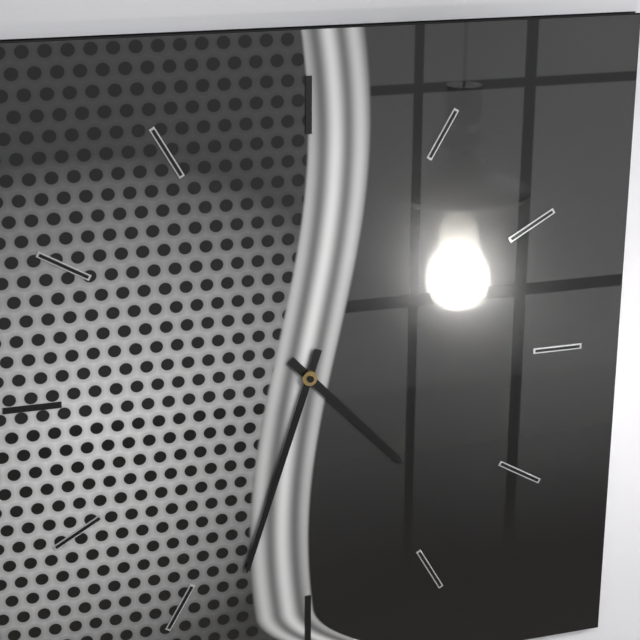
4 h 33 min
